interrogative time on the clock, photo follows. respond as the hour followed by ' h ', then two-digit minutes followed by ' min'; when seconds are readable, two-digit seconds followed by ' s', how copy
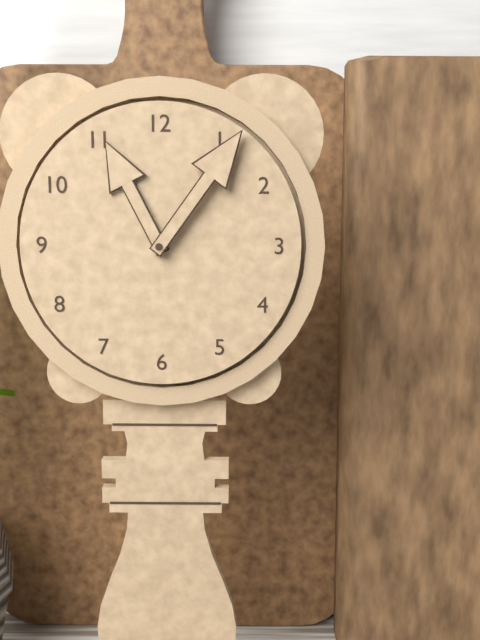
11 h 06 min
